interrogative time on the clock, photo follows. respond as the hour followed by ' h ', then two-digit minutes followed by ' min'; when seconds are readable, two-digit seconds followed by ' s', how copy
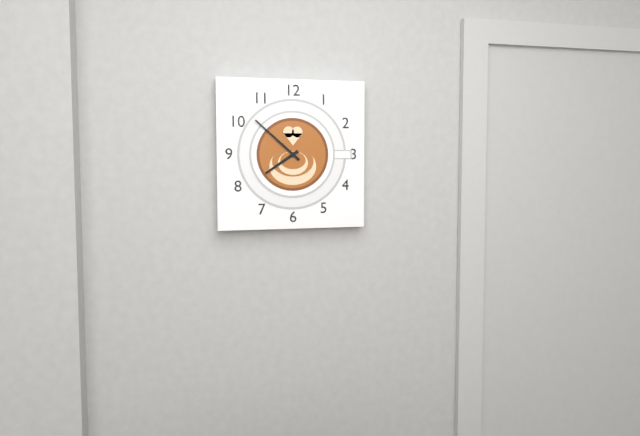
7 h 52 min
